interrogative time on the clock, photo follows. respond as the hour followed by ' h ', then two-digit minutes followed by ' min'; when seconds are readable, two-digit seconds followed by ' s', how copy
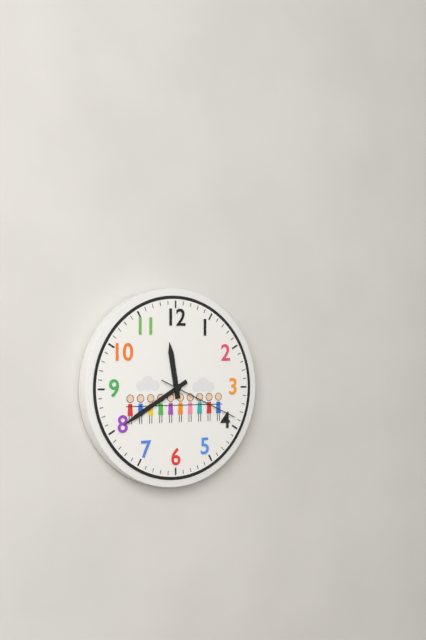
11 h 40 min 19 s
